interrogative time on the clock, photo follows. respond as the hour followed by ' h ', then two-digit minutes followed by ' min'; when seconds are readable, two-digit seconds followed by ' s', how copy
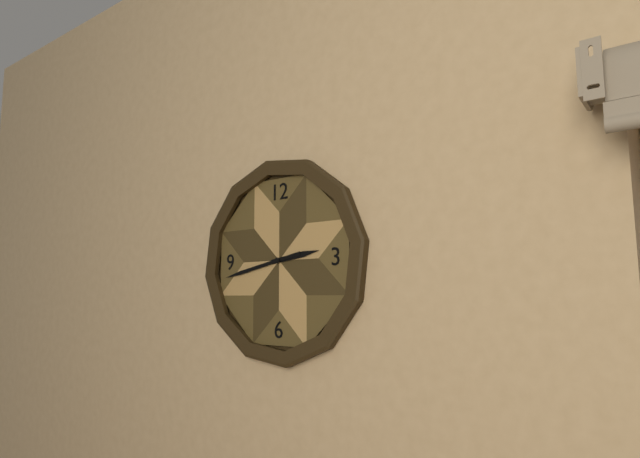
2 h 43 min
